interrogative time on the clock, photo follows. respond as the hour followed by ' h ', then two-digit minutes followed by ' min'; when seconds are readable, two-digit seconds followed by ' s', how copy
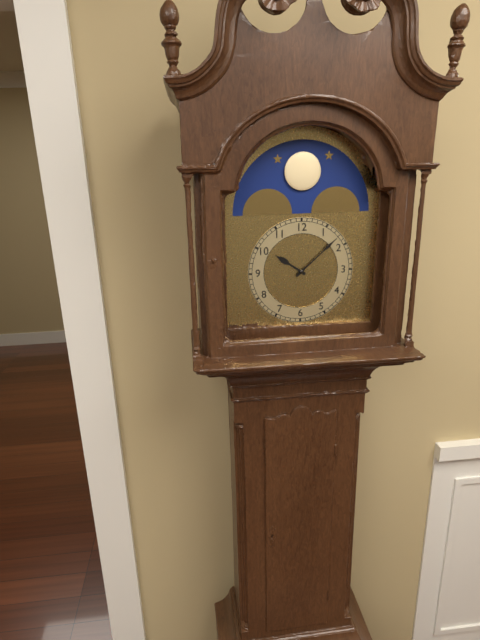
10 h 08 min
